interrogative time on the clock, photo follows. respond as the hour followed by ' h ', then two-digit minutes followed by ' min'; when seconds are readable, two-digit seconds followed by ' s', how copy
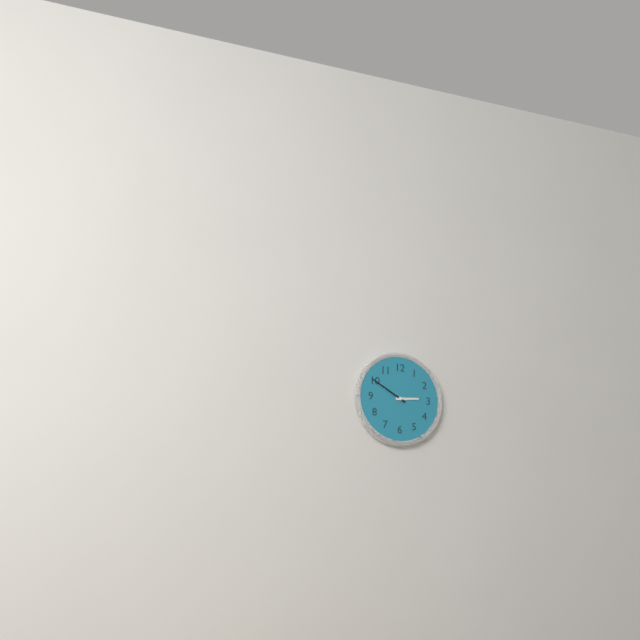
2 h 50 min
